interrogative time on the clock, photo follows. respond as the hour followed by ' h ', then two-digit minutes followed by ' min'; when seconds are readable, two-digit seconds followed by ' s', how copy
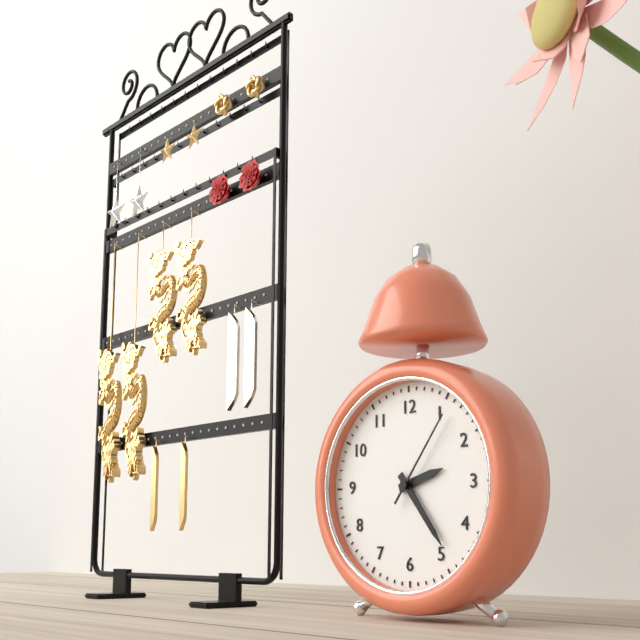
2 h 24 min 06 s
